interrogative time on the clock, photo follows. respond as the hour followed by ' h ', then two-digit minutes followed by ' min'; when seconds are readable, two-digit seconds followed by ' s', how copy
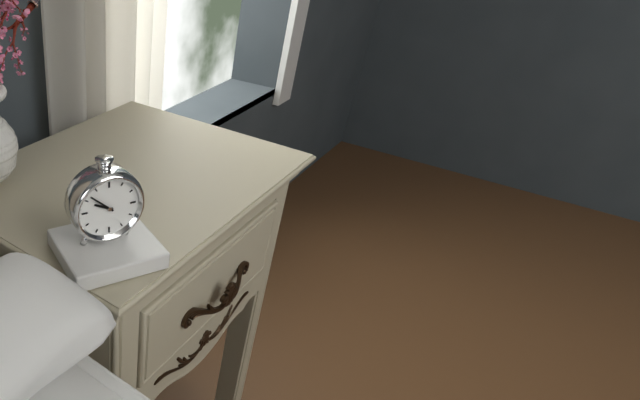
9 h 52 min
